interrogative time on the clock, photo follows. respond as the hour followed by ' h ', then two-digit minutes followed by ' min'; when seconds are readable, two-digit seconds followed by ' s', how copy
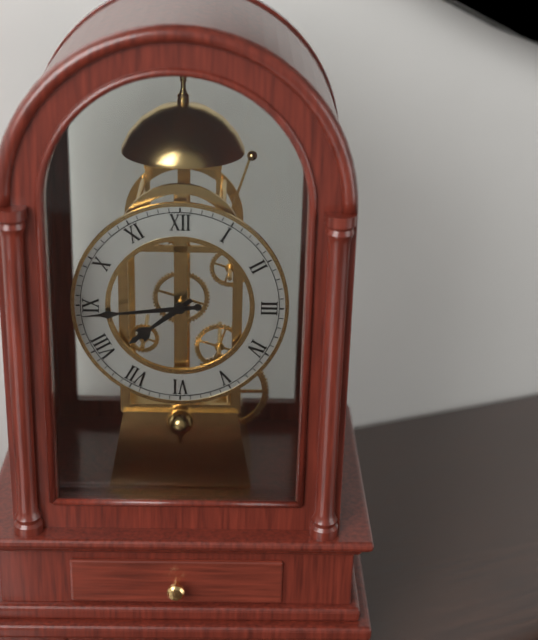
7 h 44 min
